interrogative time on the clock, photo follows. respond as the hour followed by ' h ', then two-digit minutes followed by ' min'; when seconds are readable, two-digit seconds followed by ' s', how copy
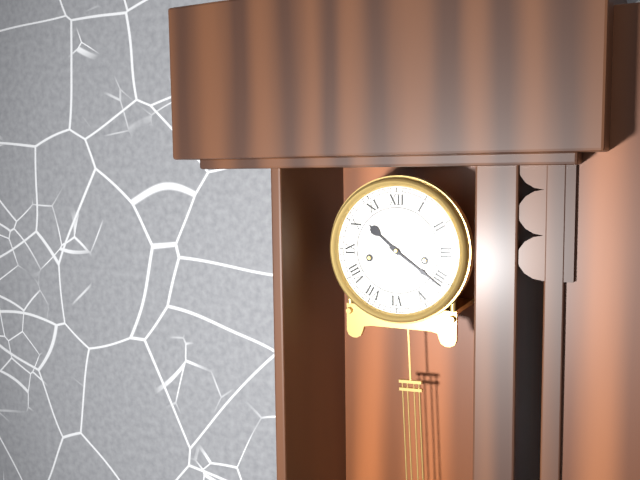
10 h 21 min
